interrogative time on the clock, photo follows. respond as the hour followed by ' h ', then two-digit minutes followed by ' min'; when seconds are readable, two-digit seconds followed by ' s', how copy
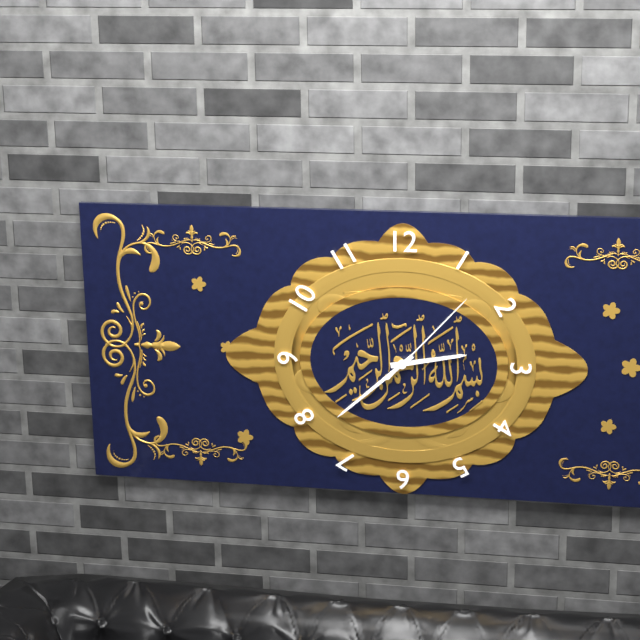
2 h 38 min 07 s
